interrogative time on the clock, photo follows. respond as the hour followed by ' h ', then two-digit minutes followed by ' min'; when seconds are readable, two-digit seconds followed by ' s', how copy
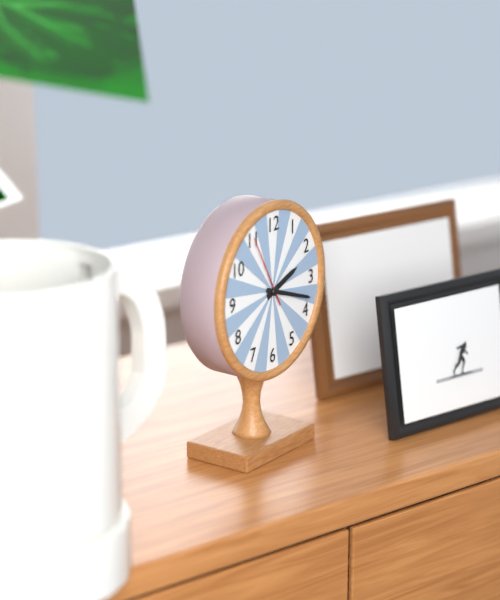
2 h 18 min 55 s
